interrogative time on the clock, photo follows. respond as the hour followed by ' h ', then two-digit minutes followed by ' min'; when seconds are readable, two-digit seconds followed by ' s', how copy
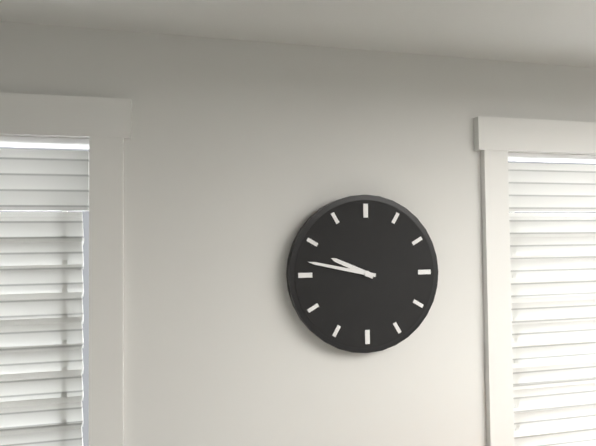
9 h 47 min
